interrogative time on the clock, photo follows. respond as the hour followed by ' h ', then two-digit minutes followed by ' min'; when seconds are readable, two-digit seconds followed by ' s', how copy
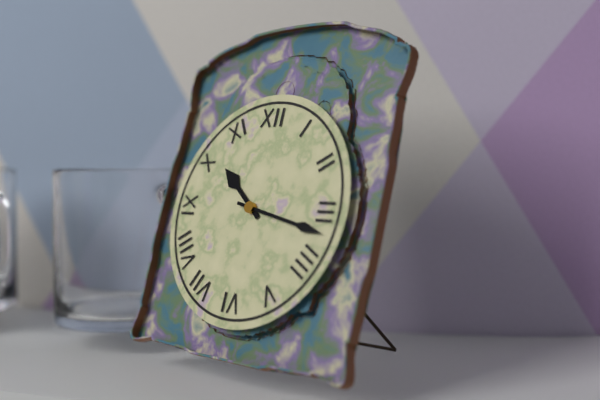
10 h 17 min
